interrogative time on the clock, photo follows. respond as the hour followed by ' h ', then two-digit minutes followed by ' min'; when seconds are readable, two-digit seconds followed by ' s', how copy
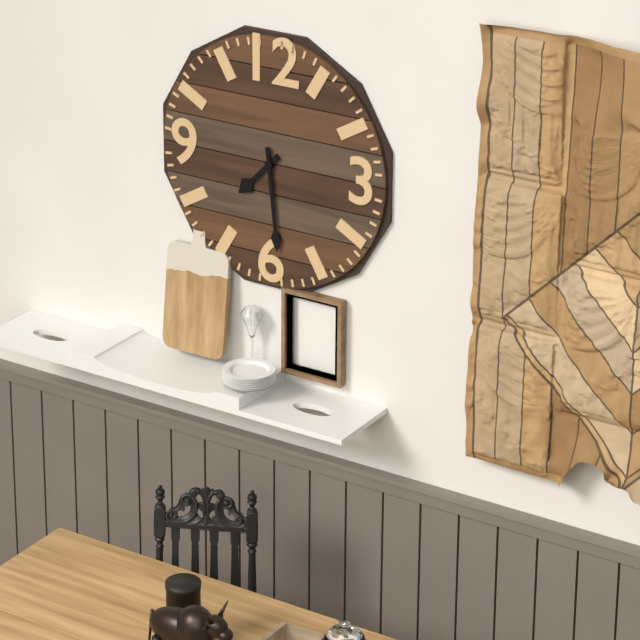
7 h 29 min
